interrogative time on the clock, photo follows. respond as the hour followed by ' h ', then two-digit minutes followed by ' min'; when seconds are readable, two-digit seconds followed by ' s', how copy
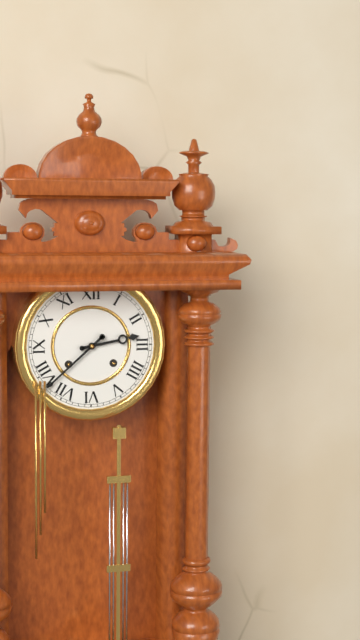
2 h 38 min
